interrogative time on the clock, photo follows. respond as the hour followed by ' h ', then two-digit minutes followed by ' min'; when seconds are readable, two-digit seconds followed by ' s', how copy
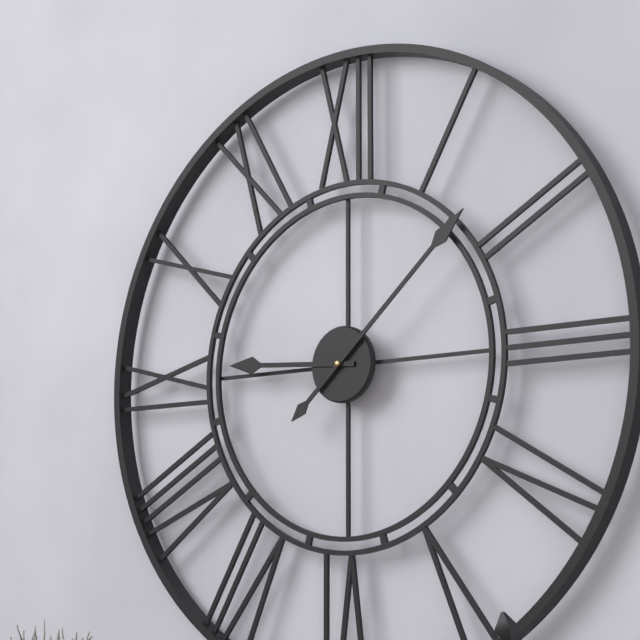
9 h 08 min
